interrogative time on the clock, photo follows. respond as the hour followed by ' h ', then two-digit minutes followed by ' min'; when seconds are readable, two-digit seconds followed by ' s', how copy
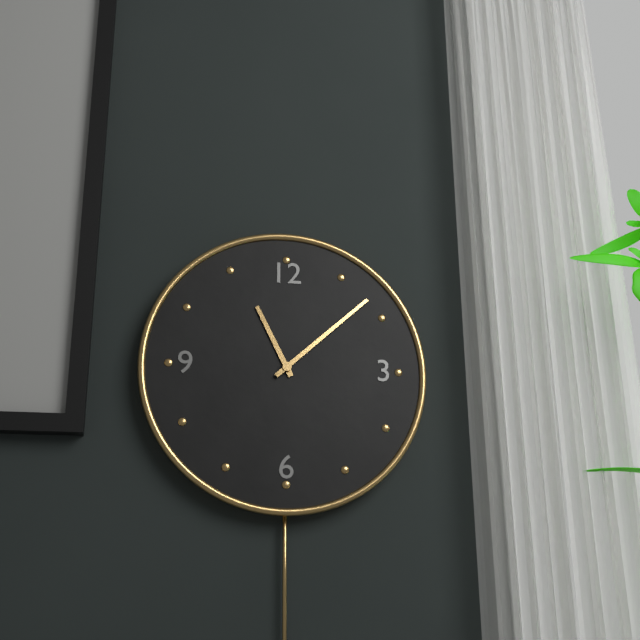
11 h 08 min
